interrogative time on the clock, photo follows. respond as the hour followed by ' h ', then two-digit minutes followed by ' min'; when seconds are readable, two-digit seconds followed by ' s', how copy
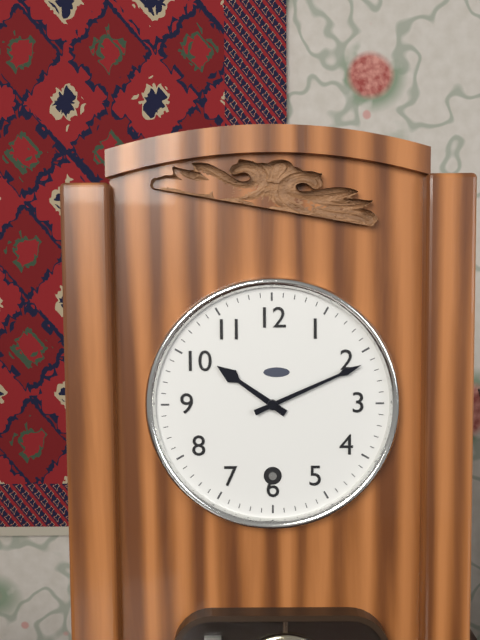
10 h 11 min
